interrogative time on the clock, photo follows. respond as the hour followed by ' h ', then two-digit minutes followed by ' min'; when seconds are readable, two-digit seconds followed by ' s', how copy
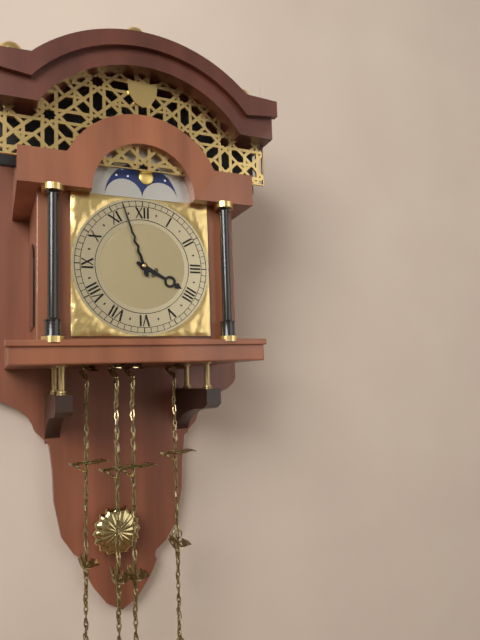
3 h 57 min
